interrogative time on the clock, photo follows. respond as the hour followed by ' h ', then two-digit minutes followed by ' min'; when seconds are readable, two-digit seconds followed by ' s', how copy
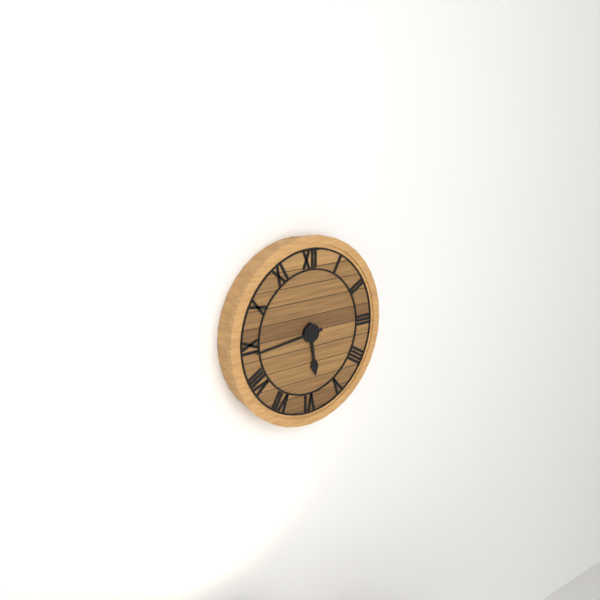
5 h 44 min
